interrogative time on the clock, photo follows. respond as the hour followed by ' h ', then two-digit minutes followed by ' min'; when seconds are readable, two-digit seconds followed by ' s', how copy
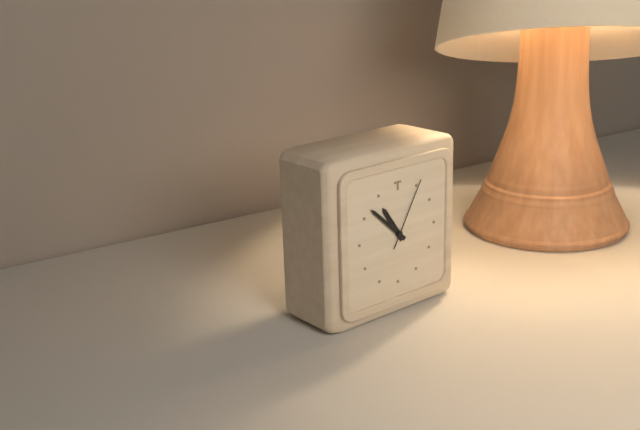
10 h 52 min 05 s
